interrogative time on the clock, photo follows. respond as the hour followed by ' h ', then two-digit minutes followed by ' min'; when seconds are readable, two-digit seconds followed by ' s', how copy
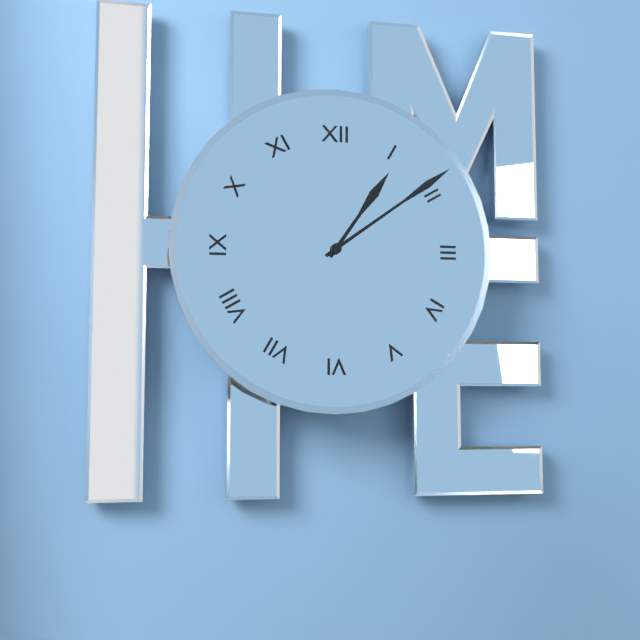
1 h 09 min
